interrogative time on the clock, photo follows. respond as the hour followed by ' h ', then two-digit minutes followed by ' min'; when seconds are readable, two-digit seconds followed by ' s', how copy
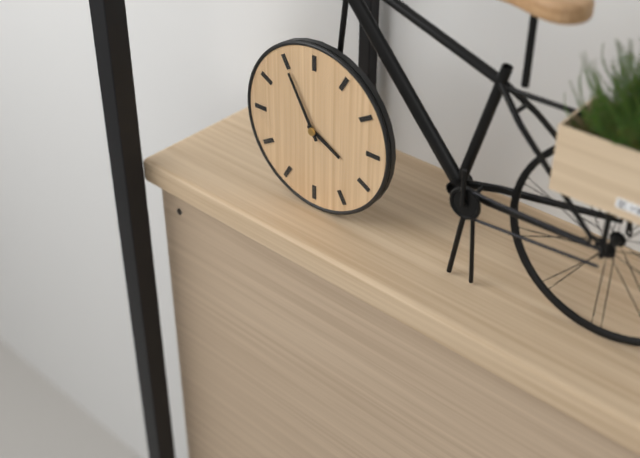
3 h 55 min
